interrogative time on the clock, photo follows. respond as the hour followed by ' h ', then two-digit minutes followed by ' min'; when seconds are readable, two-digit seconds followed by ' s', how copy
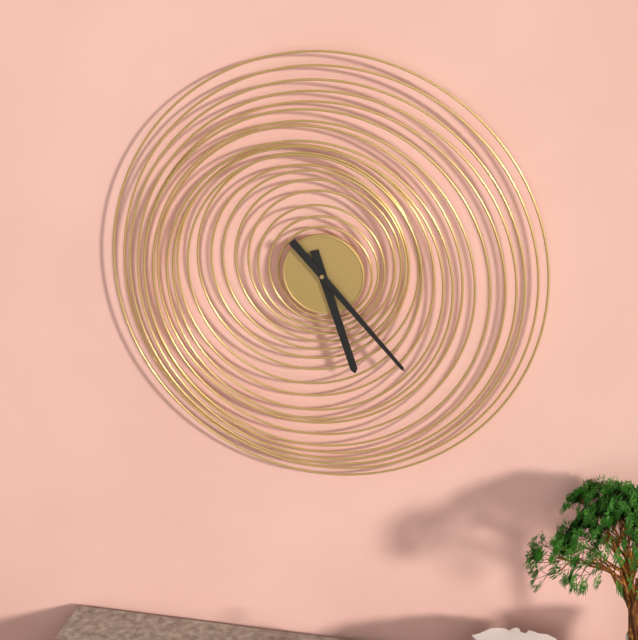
5 h 23 min
